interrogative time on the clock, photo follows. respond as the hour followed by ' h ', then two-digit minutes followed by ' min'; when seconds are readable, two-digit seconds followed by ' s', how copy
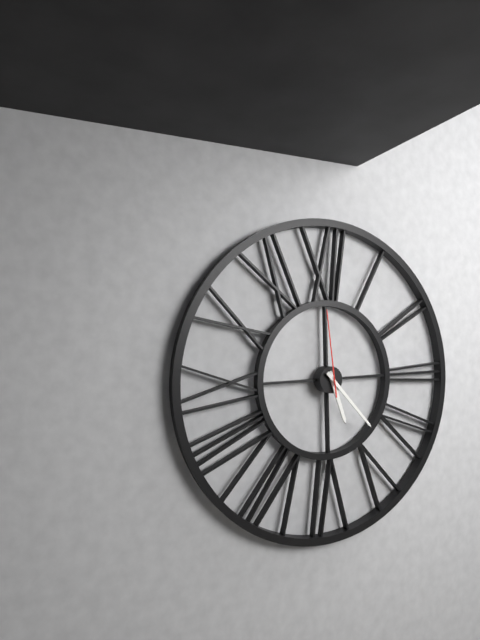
5 h 23 min 59 s
